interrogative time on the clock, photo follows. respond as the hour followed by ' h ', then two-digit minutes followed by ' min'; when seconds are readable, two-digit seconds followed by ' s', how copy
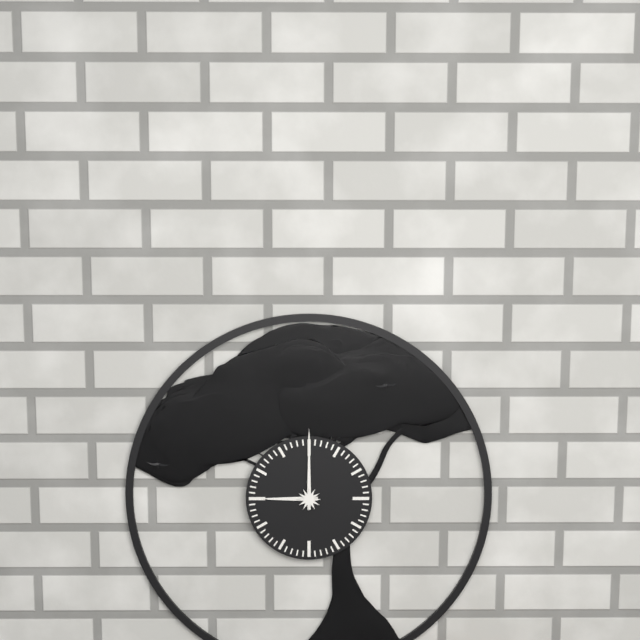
9 h 00 min
